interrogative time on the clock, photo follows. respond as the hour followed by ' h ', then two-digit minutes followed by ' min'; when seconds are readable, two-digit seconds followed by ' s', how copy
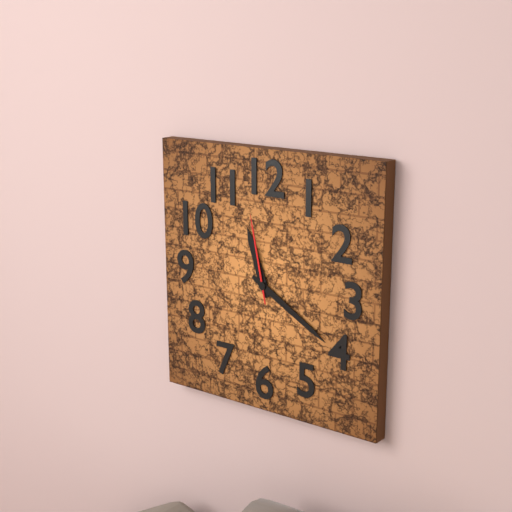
11 h 20 min 58 s
